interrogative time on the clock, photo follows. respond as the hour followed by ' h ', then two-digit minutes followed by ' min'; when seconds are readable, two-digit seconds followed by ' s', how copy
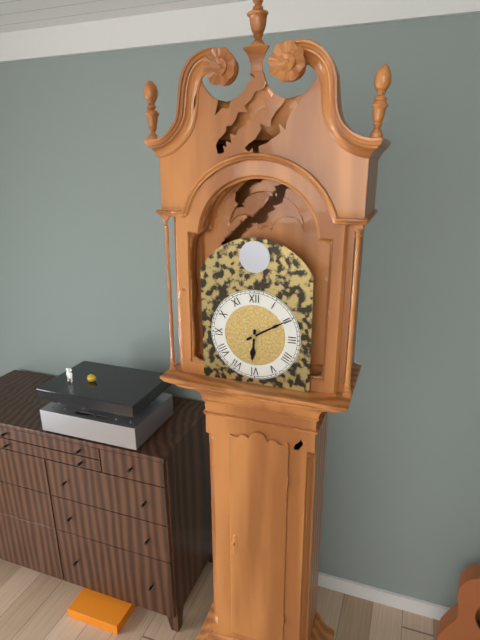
6 h 10 min
